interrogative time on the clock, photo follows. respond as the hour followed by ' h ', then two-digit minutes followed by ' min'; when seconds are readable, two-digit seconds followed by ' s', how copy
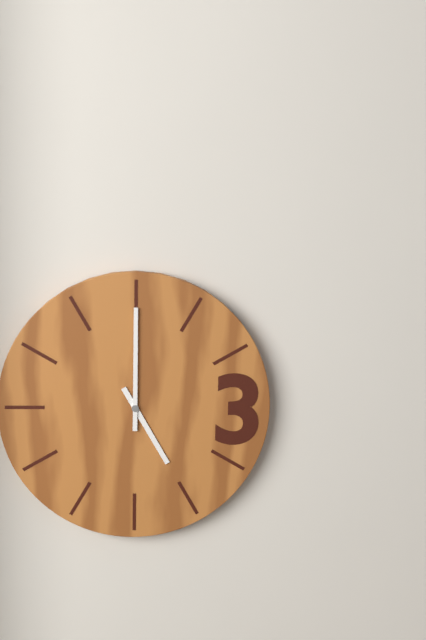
5 h 00 min
